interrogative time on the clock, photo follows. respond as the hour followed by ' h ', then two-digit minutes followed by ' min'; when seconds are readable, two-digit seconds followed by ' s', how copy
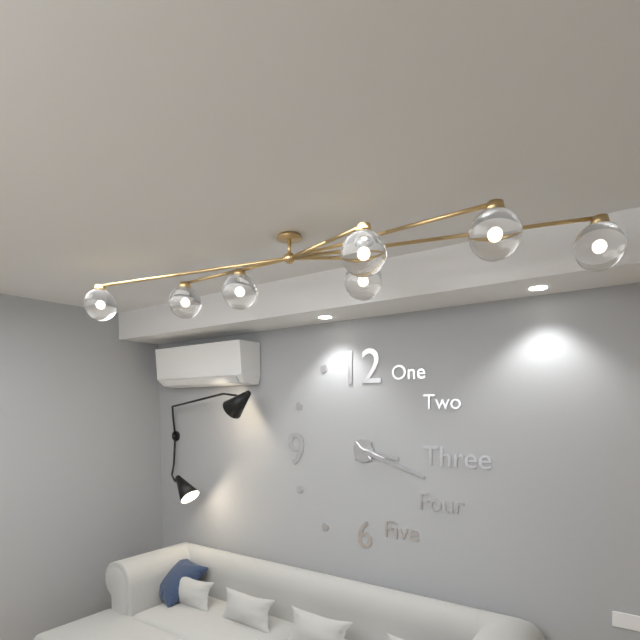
3 h 18 min
